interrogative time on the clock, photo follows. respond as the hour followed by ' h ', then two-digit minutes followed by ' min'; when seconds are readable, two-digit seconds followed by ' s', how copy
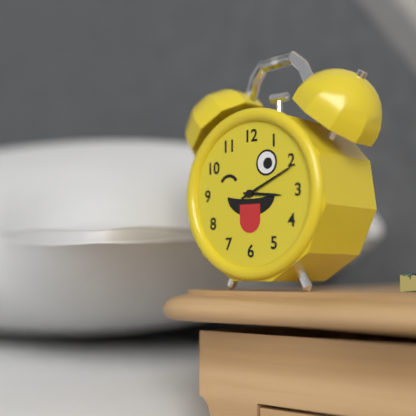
3 h 11 min
